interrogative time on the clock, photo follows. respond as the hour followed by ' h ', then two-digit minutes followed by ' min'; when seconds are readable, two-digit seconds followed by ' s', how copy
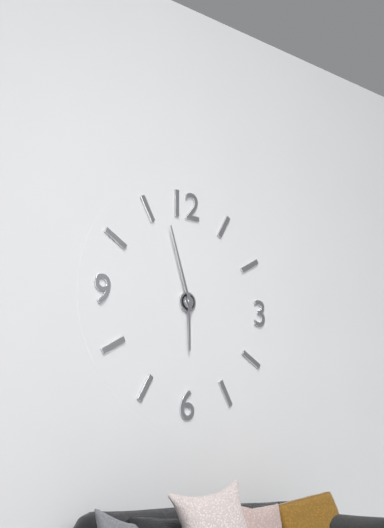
5 h 57 min
